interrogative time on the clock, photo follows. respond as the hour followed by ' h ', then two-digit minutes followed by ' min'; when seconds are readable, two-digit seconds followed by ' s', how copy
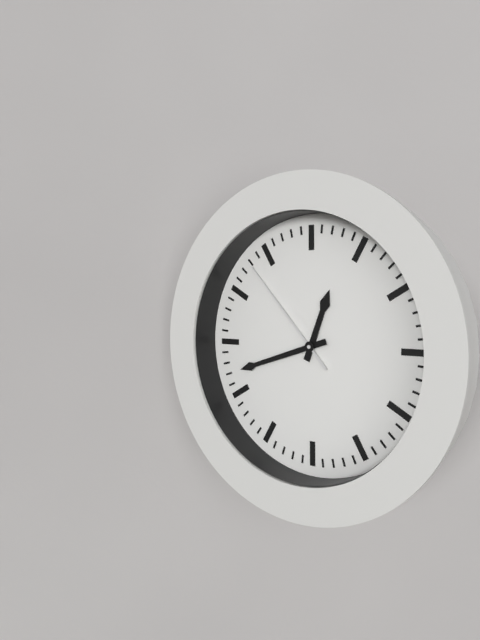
12 h 42 min 53 s
